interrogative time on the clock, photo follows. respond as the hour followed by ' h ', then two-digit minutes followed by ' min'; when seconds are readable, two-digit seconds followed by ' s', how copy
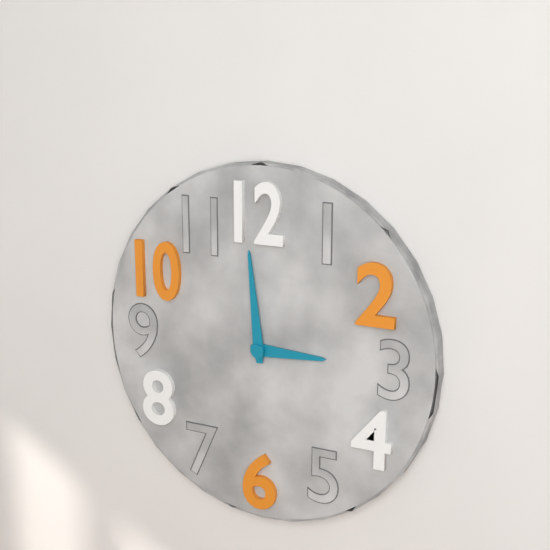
2 h 59 min
